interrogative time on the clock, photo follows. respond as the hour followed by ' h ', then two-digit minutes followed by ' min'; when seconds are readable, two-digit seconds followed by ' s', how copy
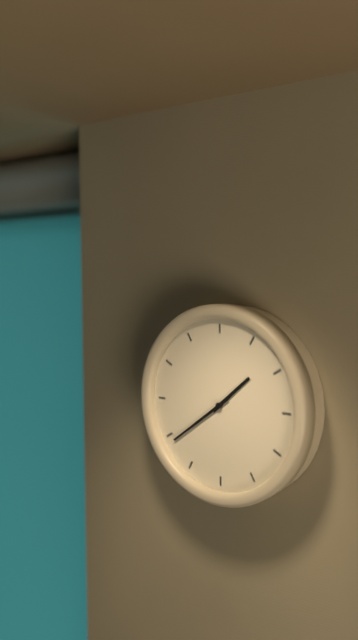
1 h 39 min
